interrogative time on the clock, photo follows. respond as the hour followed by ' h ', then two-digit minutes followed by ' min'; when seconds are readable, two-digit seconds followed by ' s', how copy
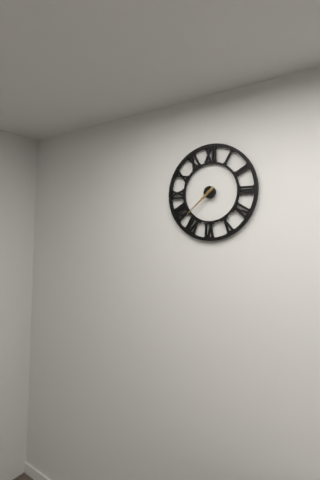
7 h 38 min
